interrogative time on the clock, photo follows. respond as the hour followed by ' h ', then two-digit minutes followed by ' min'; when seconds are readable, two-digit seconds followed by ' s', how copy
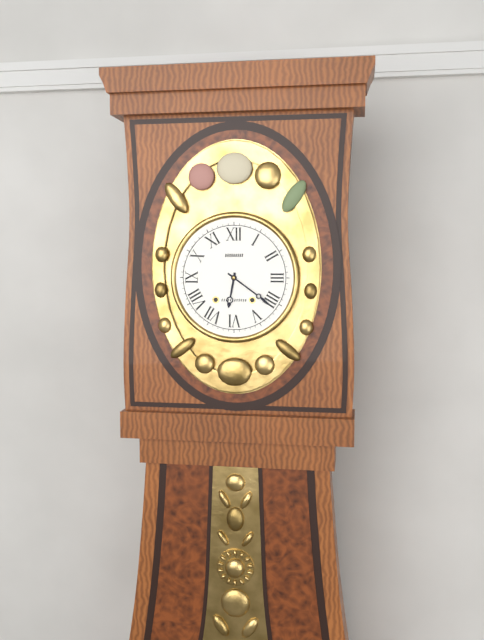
6 h 21 min
